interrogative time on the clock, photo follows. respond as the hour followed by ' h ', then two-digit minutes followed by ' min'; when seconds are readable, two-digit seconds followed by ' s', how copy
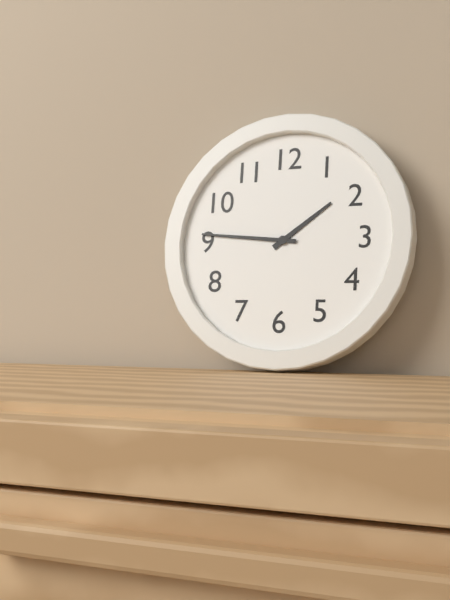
1 h 46 min
